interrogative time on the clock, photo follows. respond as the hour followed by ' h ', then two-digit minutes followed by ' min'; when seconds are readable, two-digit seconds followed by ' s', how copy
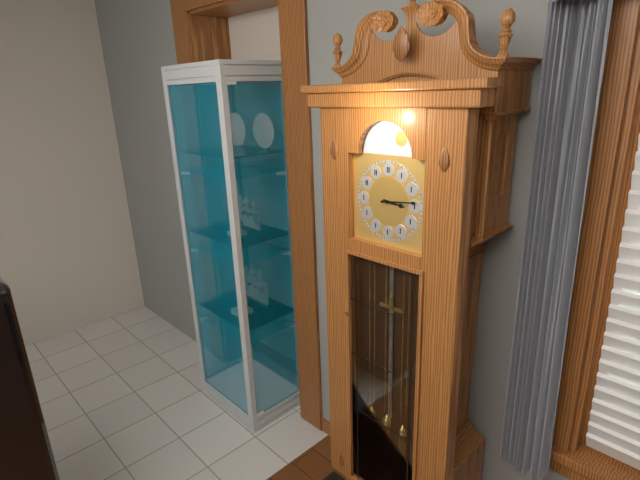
3 h 14 min
